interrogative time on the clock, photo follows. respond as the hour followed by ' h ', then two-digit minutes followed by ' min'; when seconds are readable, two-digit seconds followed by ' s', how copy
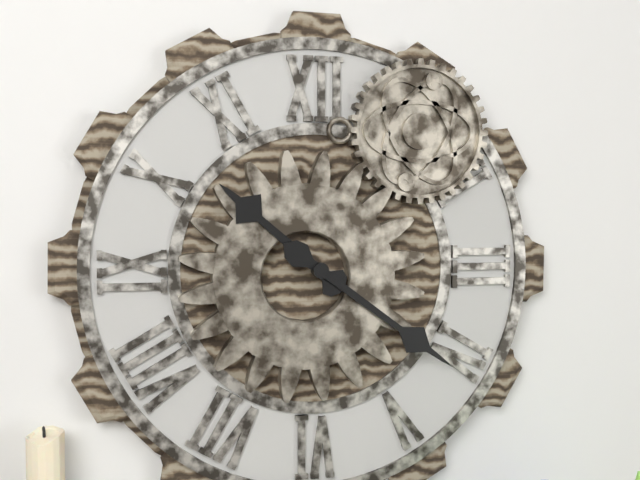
10 h 21 min
